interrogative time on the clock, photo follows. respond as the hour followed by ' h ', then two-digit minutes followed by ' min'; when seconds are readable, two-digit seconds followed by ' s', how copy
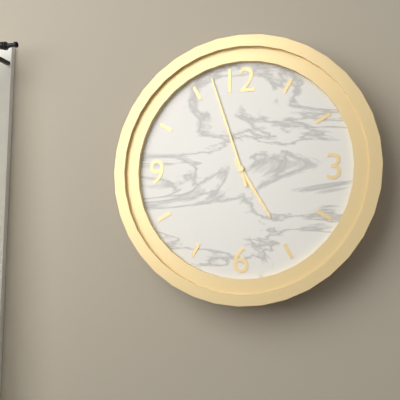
4 h 57 min
